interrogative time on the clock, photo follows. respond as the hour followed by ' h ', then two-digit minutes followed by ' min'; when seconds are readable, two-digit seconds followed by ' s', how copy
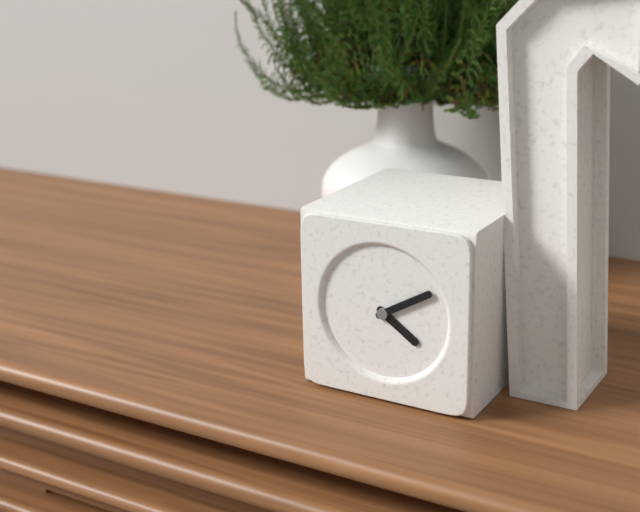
4 h 10 min
